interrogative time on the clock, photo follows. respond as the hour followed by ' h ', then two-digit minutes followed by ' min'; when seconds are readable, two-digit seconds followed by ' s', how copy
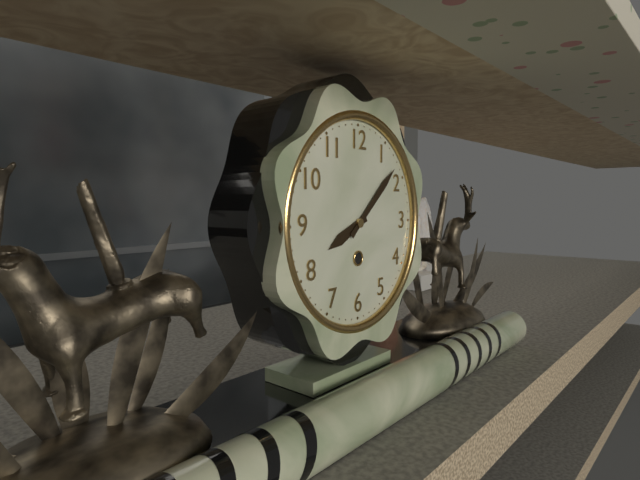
8 h 08 min
